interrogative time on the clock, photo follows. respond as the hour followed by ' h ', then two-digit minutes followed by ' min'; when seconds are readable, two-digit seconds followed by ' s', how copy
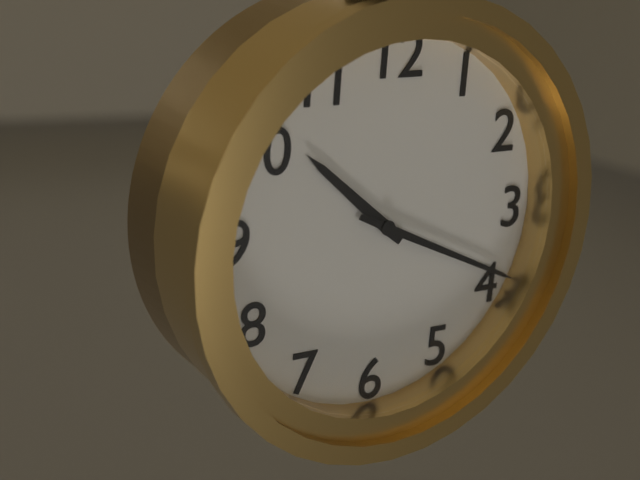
10 h 19 min
